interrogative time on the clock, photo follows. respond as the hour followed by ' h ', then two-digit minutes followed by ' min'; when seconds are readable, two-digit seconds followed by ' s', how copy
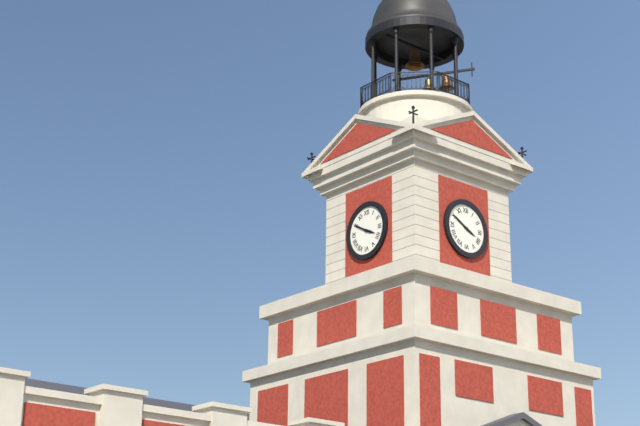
3 h 50 min
